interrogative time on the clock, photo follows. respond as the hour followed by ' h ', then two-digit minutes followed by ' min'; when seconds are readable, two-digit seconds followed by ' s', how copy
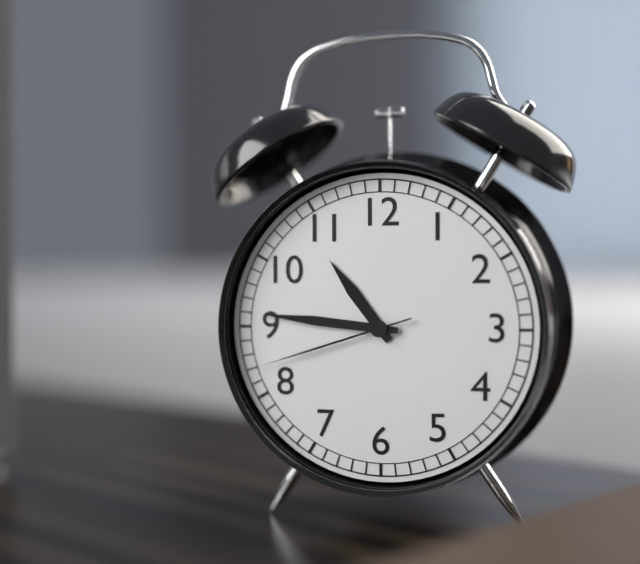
10 h 46 min 42 s
